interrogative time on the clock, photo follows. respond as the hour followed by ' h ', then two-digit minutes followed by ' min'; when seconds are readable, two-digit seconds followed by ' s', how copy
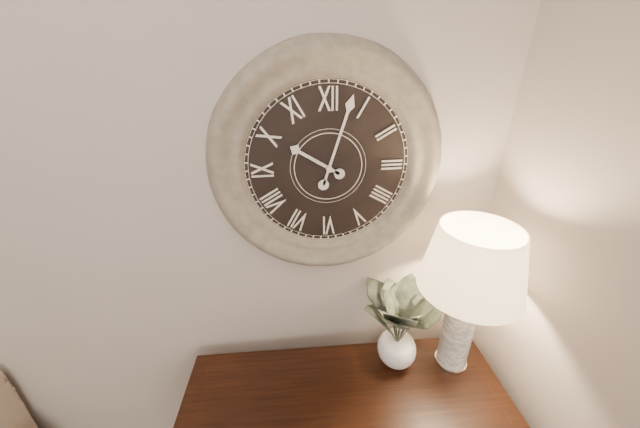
10 h 03 min
